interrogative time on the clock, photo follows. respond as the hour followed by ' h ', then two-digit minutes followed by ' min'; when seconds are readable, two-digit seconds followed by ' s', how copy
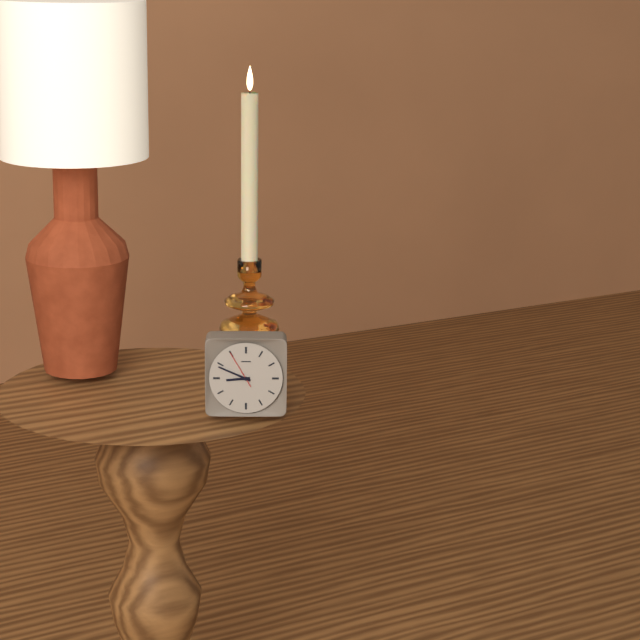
8 h 49 min
